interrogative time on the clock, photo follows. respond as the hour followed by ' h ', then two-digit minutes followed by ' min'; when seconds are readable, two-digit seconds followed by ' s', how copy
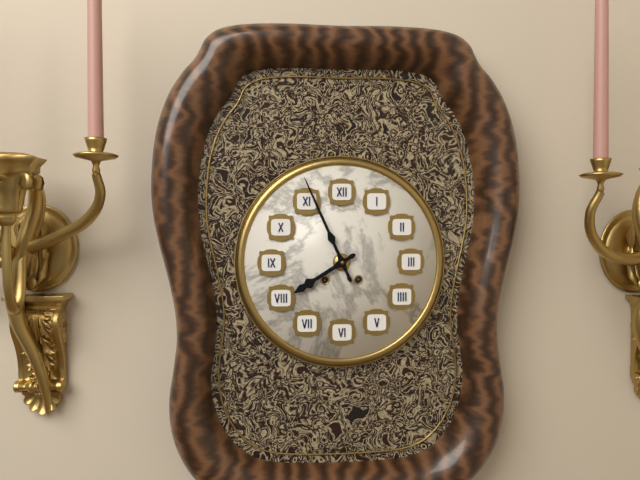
7 h 56 min
